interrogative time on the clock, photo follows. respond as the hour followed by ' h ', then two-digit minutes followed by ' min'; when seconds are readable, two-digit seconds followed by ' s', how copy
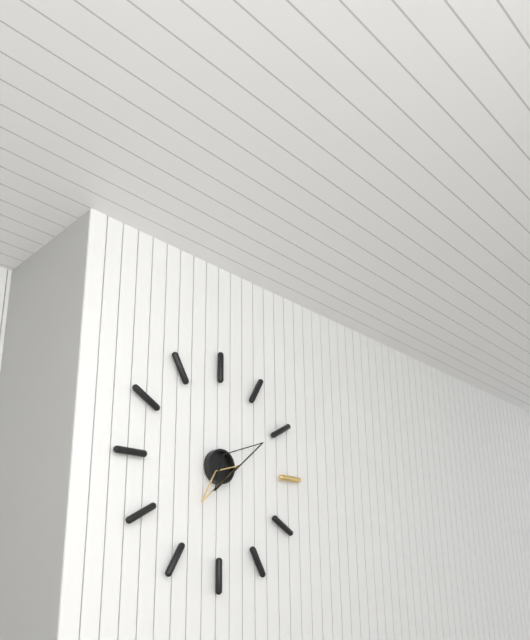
7 h 10 min
